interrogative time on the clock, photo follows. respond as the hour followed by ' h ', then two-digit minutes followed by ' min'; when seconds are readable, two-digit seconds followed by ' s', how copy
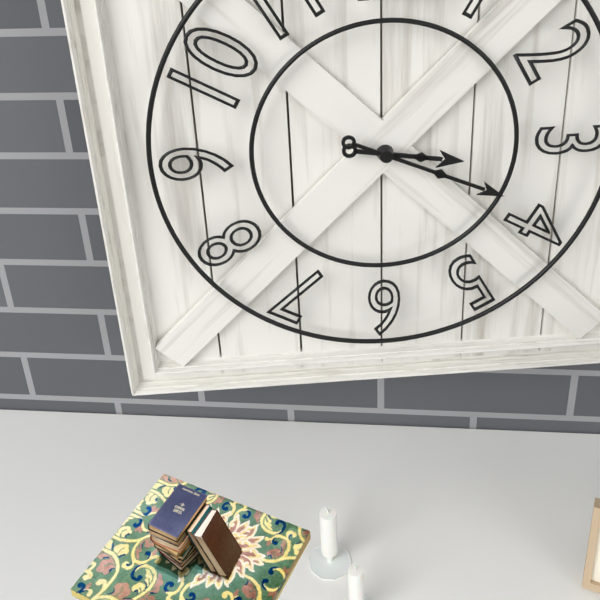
3 h 19 min
